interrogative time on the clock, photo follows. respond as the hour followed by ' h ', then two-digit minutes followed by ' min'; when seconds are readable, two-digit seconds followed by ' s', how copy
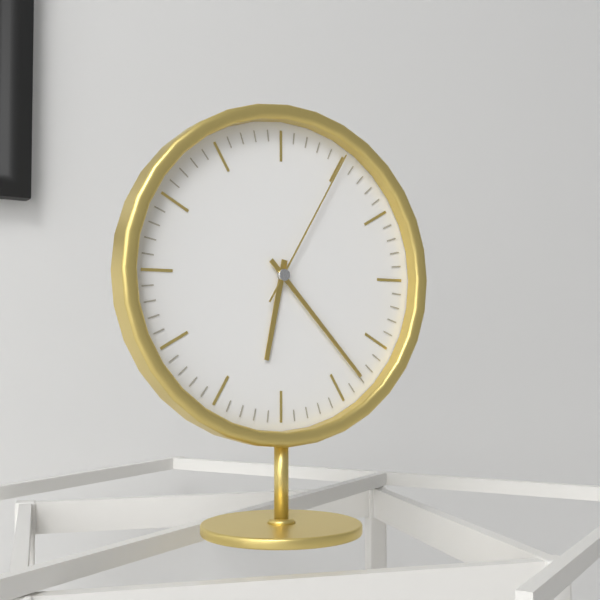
6 h 23 min 05 s
